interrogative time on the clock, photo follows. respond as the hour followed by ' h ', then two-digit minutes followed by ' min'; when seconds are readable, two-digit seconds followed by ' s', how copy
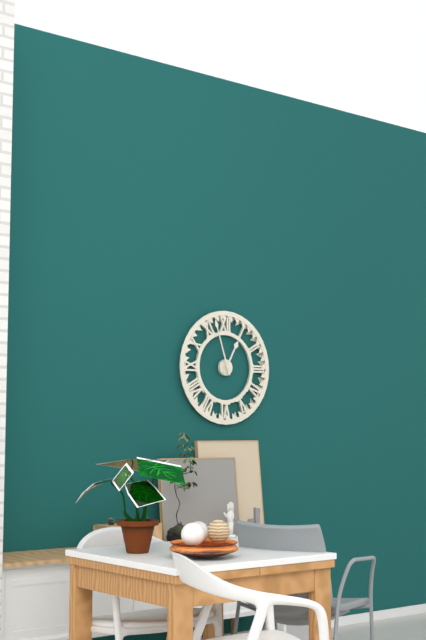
12 h 57 min
